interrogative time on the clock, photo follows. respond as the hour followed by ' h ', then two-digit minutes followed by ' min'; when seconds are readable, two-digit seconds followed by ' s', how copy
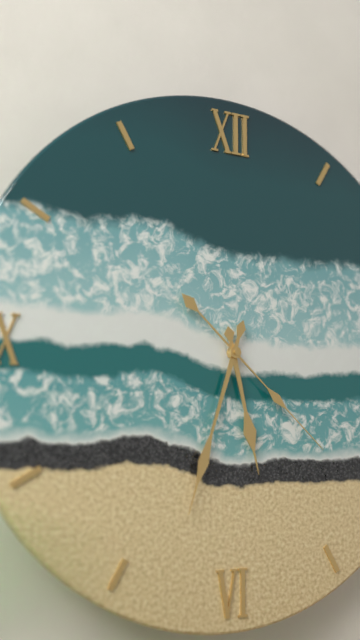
5 h 33 min 22 s
